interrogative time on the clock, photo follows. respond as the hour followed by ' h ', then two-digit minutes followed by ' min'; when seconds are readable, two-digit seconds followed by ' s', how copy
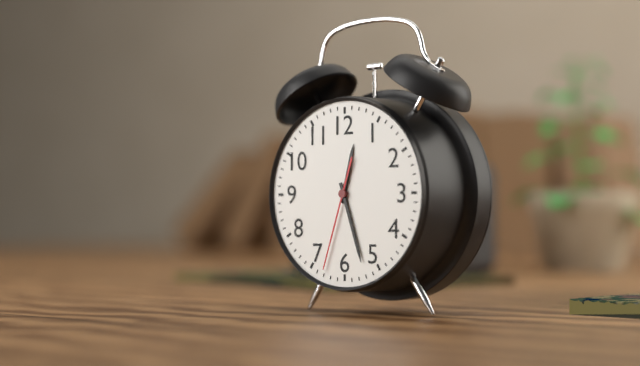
12 h 27 min 33 s
